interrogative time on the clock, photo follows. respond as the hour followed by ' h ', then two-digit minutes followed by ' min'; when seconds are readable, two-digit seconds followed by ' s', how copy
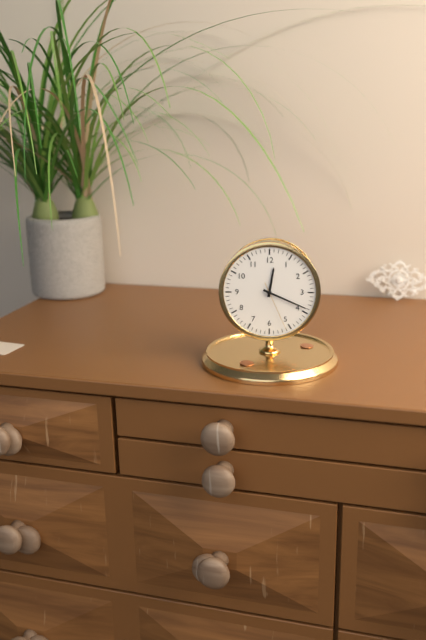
12 h 19 min 26 s
